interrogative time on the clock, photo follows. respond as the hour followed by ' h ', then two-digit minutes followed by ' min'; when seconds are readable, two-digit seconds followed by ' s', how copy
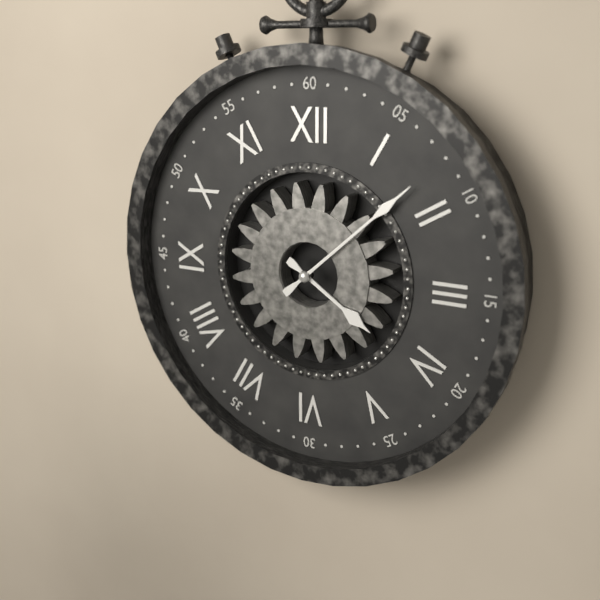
4 h 08 min
